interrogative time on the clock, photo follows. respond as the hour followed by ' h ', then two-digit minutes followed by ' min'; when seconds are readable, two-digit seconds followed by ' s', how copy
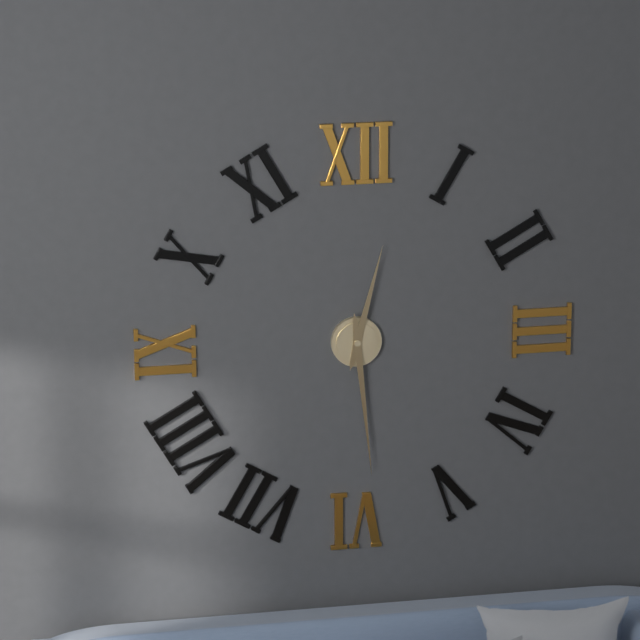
12 h 29 min
